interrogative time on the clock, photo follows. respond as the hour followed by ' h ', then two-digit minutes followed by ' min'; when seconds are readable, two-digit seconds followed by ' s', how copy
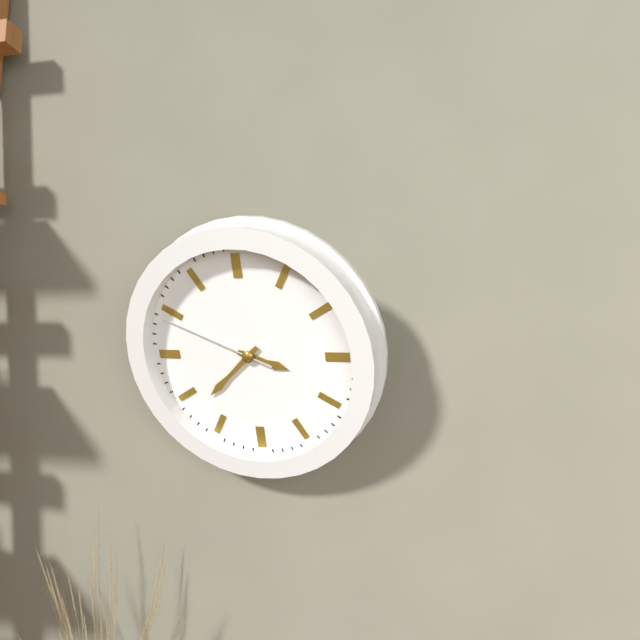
3 h 38 min 49 s
